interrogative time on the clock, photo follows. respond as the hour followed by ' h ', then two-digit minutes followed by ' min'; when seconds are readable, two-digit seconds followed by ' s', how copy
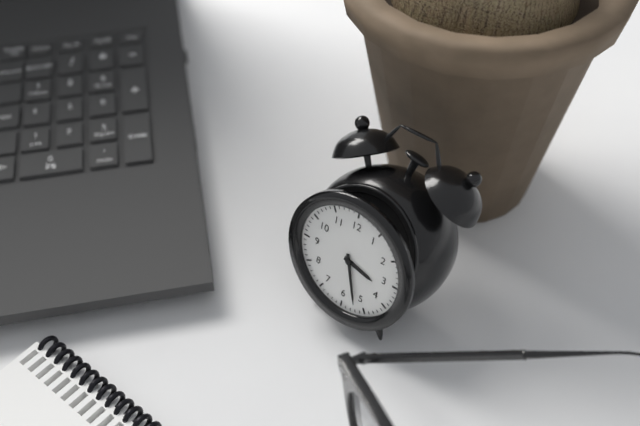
3 h 27 min
